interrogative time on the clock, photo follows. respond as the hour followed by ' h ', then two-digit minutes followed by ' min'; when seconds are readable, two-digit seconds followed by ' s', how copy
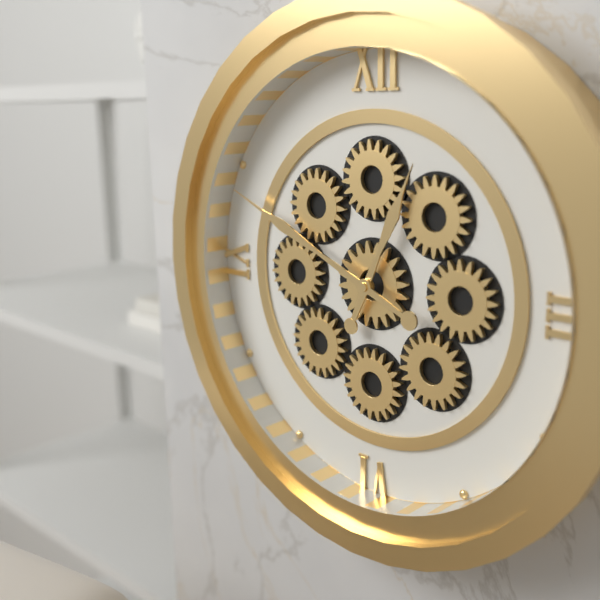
12 h 49 min
